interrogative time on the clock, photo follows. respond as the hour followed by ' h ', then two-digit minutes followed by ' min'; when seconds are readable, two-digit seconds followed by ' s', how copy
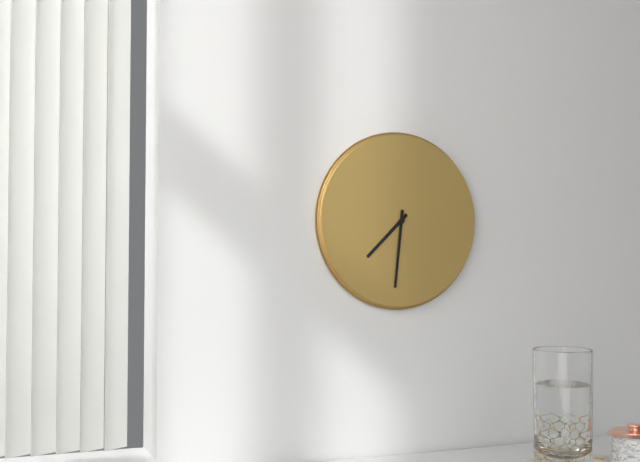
7 h 31 min
